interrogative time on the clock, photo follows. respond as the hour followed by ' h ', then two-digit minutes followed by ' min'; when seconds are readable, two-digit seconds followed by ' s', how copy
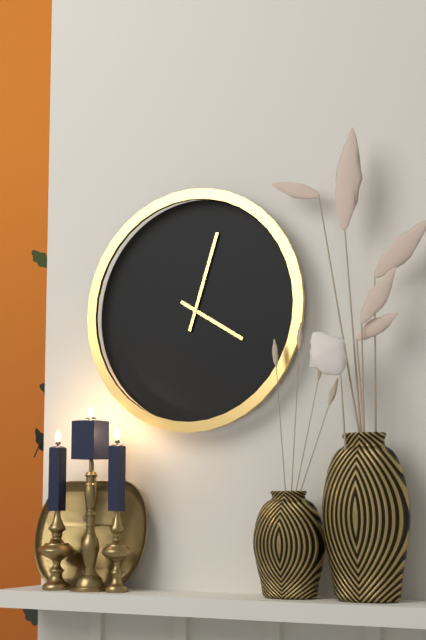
4 h 03 min
